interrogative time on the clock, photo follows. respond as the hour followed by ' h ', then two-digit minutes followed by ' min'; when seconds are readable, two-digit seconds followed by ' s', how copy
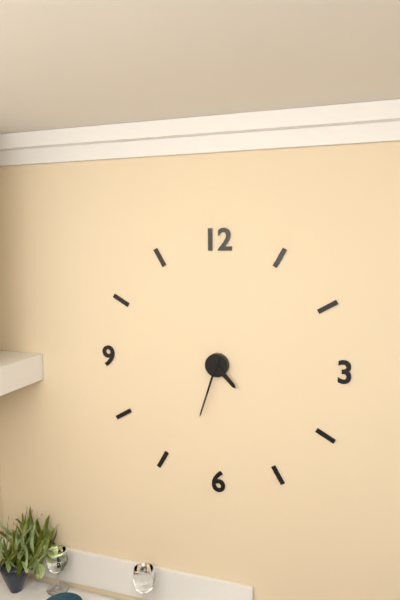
4 h 33 min
